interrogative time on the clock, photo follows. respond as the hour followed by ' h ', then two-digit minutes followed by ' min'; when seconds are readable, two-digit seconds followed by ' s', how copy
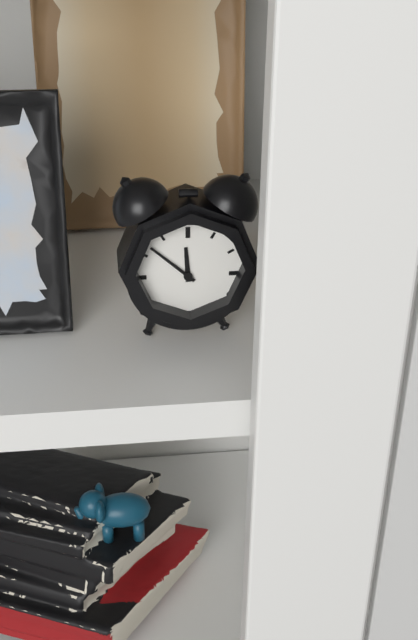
11 h 52 min
